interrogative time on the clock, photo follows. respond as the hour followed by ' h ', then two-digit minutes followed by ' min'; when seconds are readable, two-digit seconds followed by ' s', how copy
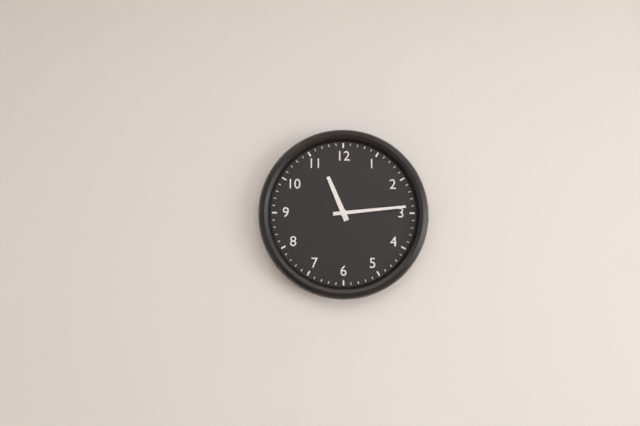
11 h 14 min
